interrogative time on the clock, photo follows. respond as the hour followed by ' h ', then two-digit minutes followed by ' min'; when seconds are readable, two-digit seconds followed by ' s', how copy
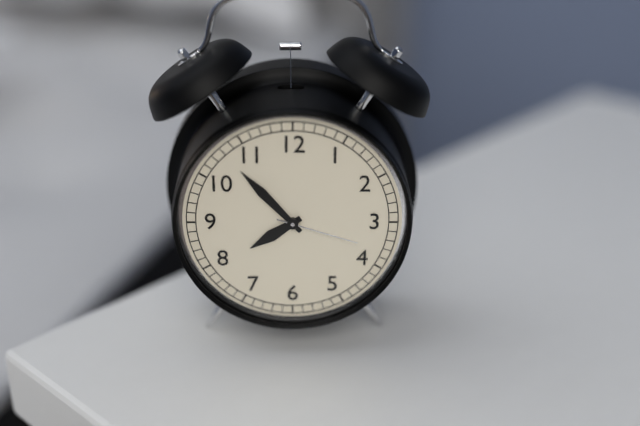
7 h 53 min 18 s
